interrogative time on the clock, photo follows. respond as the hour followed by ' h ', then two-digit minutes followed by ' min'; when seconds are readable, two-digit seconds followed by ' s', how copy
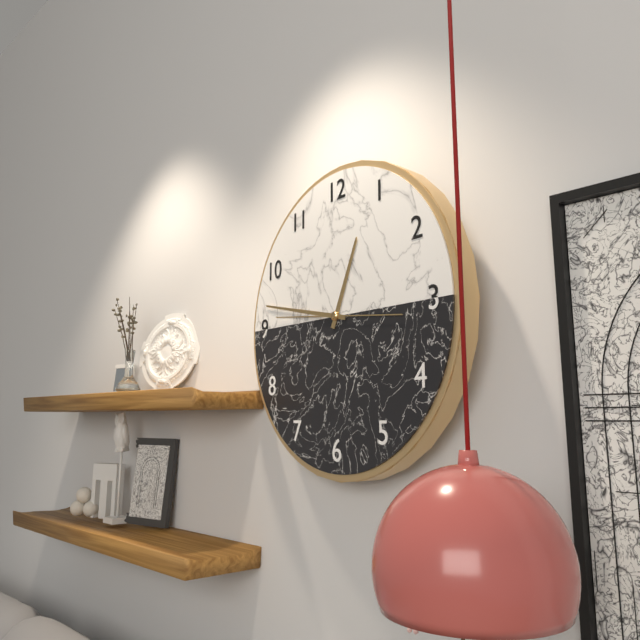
12 h 47 min 46 s
